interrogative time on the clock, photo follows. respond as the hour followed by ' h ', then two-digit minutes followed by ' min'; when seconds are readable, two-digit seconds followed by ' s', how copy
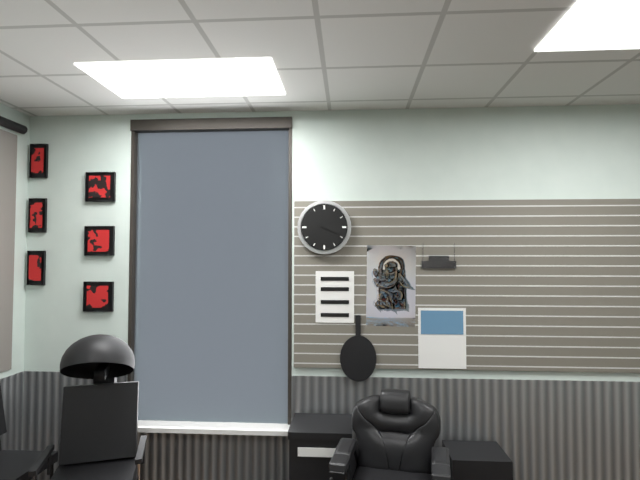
11 h 19 min
